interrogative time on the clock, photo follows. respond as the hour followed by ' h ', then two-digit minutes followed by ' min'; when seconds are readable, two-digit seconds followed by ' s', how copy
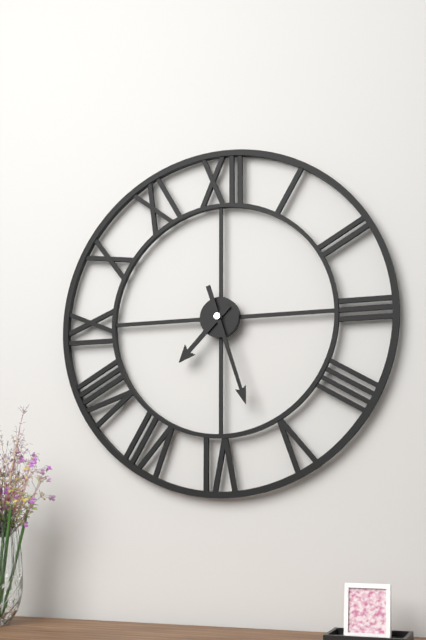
7 h 27 min
